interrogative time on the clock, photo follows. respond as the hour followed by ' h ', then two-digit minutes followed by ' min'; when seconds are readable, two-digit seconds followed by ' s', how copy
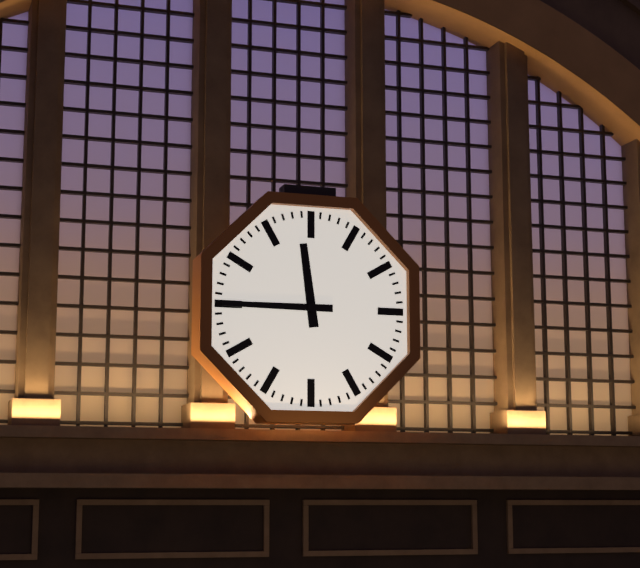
11 h 45 min
